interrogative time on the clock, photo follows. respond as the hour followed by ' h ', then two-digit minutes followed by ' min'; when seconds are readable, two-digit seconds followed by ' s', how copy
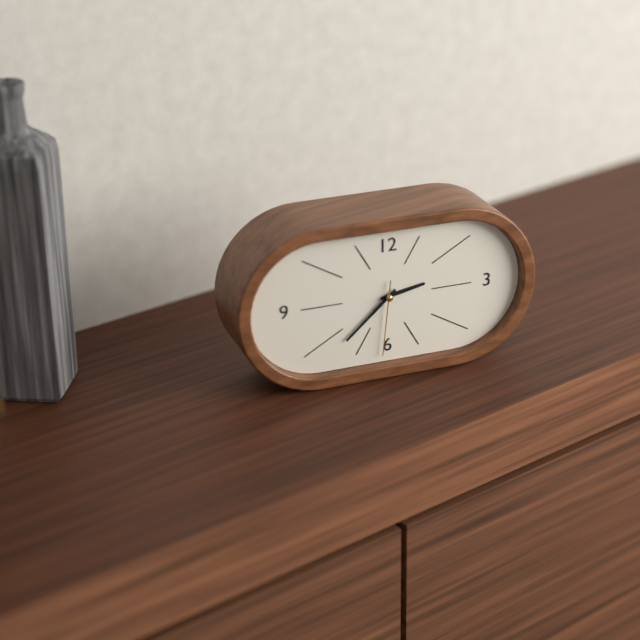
2 h 38 min 31 s
